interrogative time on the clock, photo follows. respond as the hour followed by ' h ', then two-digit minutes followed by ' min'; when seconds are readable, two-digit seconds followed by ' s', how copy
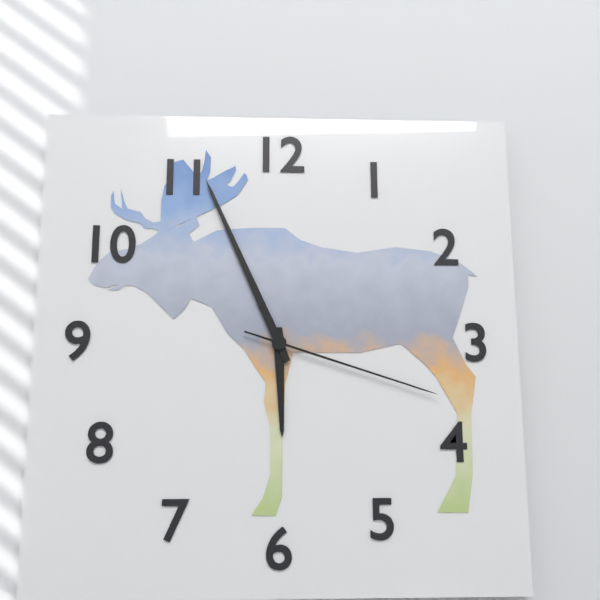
5 h 56 min 18 s
